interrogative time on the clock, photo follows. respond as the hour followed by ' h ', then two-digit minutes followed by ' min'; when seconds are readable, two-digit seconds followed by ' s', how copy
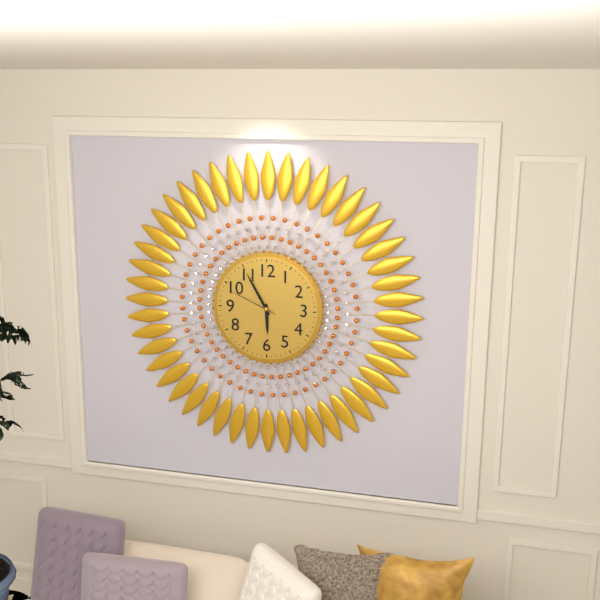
5 h 55 min 49 s
